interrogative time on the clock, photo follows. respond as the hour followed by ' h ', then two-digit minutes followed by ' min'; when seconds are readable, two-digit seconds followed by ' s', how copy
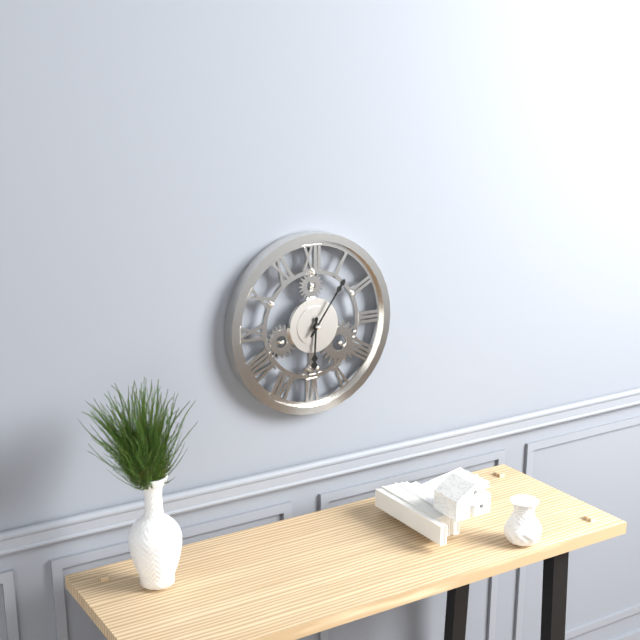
6 h 06 min
